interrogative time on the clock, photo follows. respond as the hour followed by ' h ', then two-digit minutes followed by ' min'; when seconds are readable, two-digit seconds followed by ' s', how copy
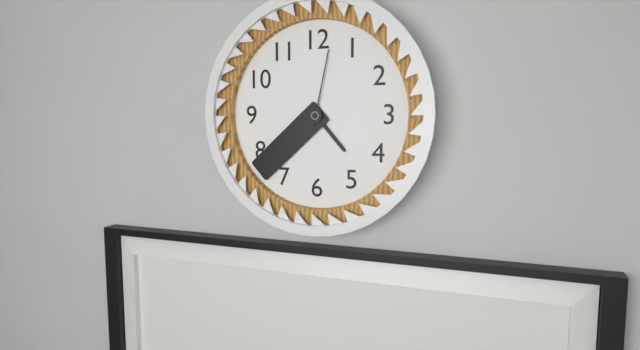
4 h 38 min 02 s
